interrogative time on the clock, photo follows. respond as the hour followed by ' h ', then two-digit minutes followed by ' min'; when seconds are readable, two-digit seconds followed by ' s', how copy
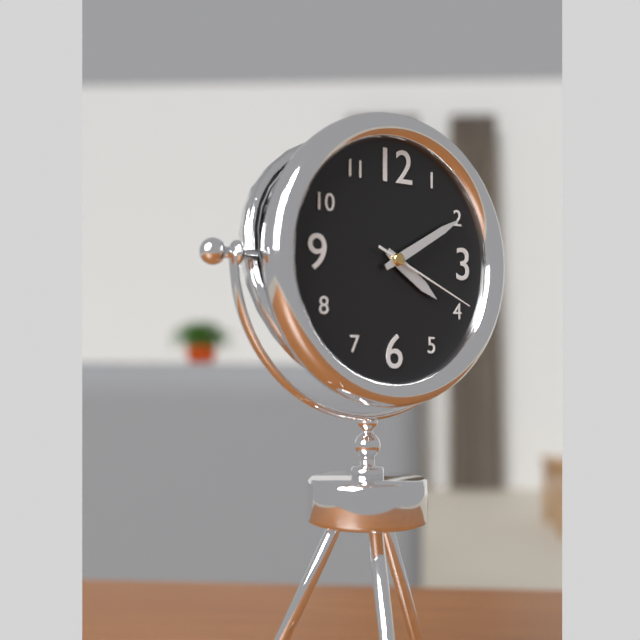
4 h 10 min 19 s
